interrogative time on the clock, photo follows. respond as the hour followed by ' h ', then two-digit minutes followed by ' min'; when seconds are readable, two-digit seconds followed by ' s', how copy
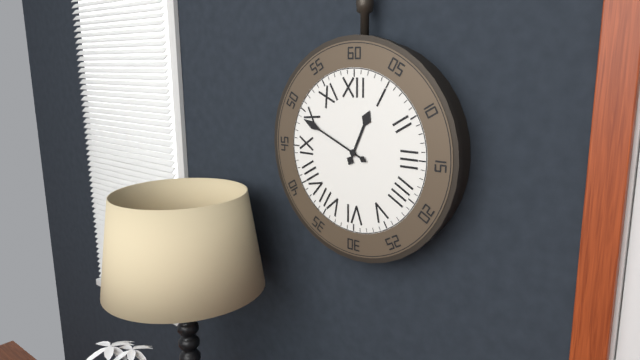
12 h 49 min
